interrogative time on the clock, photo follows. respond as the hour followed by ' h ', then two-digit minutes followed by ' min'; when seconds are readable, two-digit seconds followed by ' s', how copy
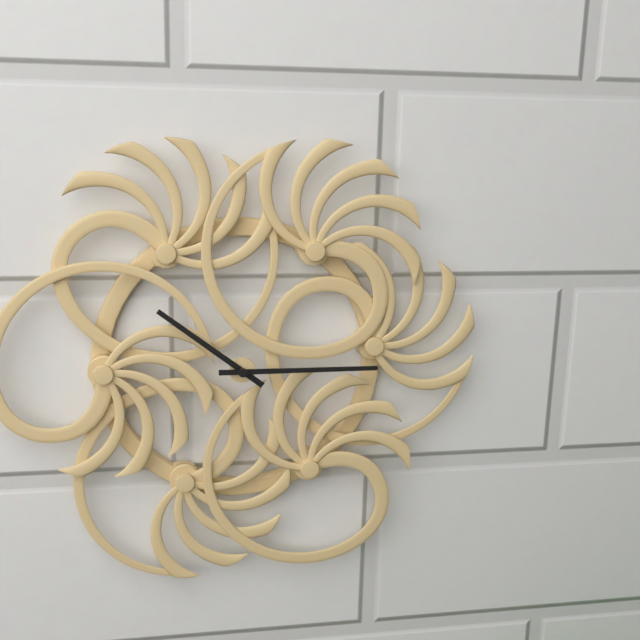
10 h 15 min
